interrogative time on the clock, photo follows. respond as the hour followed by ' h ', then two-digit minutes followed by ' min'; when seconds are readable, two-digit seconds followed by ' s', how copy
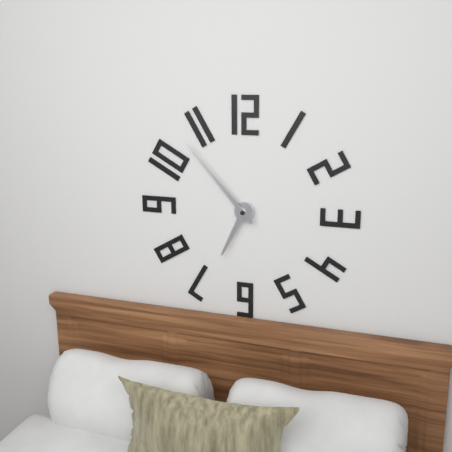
6 h 53 min
